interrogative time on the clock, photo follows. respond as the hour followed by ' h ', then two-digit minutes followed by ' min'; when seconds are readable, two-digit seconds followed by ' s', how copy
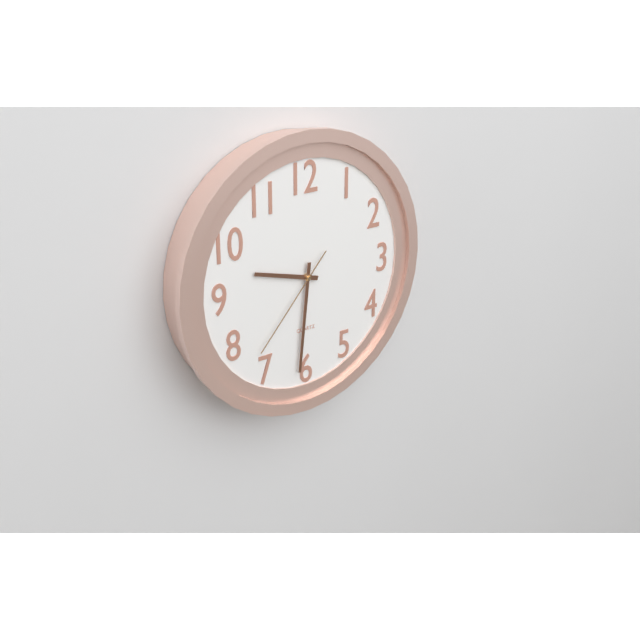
9 h 31 min 37 s
